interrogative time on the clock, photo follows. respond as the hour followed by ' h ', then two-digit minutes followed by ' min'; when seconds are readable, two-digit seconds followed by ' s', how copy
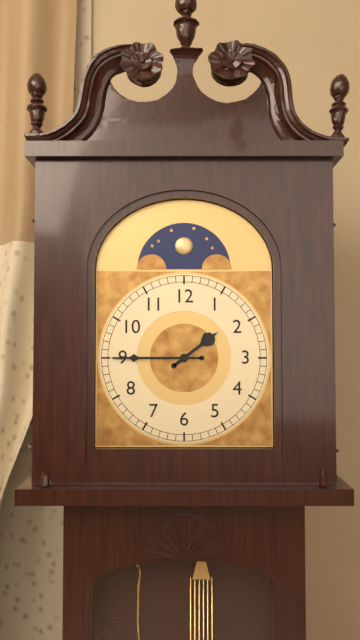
1 h 45 min
